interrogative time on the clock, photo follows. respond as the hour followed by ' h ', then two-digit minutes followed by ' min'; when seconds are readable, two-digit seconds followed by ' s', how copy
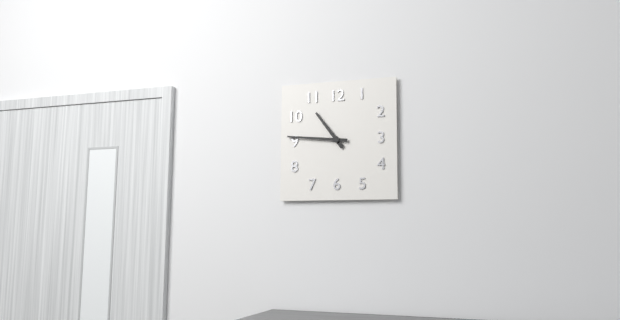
10 h 46 min
